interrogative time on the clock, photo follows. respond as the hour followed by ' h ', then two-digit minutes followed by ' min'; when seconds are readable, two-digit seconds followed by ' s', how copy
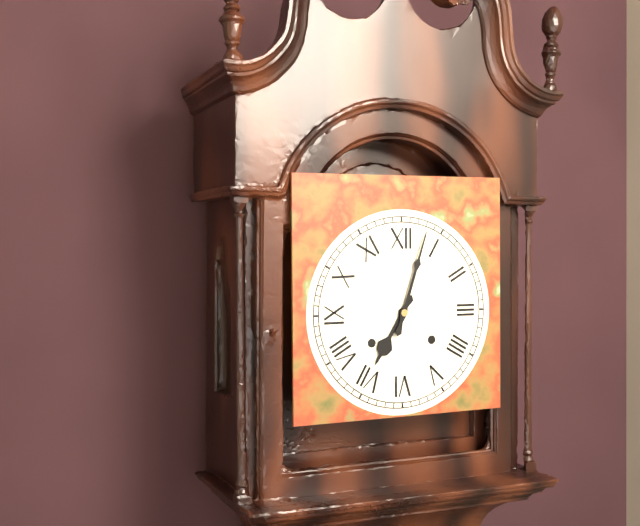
7 h 03 min
